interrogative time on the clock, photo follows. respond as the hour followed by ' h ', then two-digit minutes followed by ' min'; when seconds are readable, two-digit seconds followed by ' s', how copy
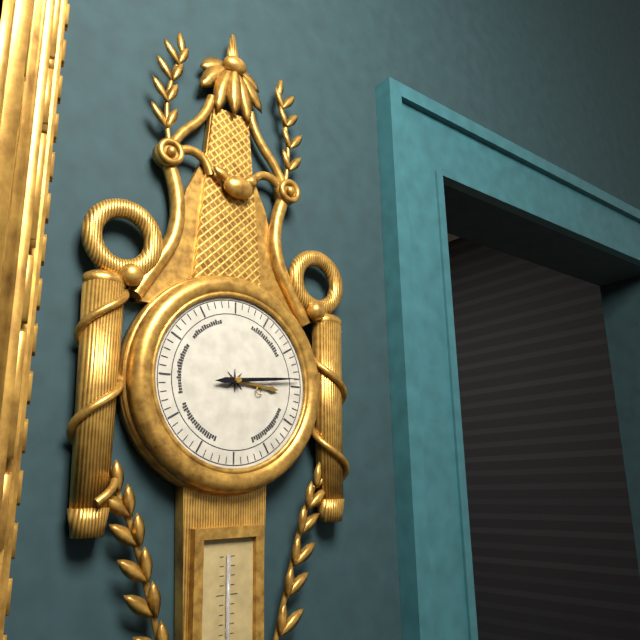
3 h 14 min
